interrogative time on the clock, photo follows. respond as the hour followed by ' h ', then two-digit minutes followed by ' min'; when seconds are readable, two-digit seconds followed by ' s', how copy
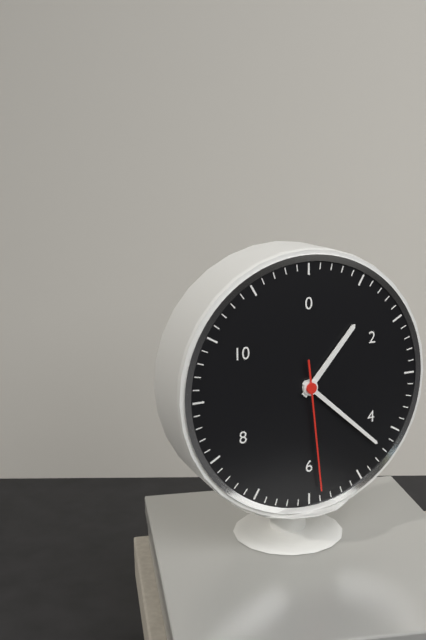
1 h 22 min 29 s
